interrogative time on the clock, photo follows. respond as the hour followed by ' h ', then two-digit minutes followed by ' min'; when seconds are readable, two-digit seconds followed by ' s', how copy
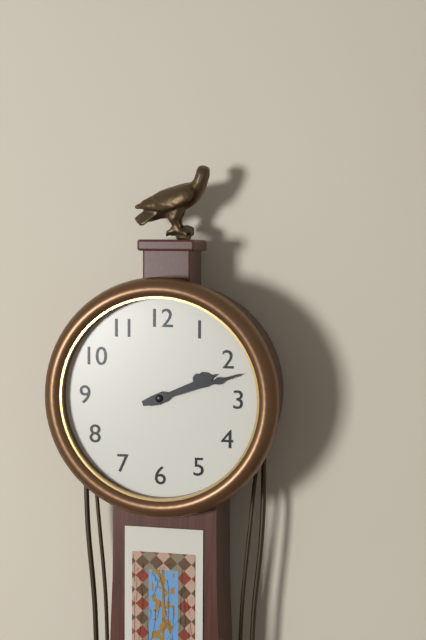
2 h 12 min
